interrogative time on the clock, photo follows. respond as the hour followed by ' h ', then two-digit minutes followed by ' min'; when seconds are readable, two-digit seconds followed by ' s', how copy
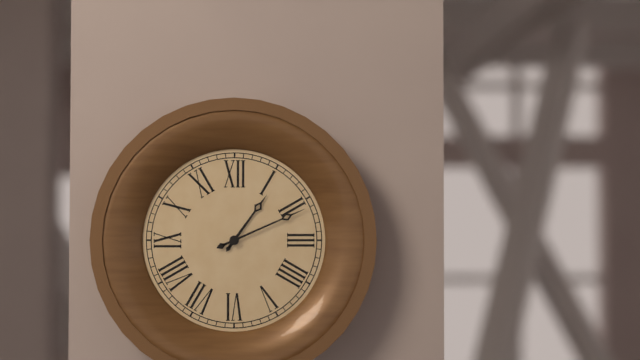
1 h 11 min
